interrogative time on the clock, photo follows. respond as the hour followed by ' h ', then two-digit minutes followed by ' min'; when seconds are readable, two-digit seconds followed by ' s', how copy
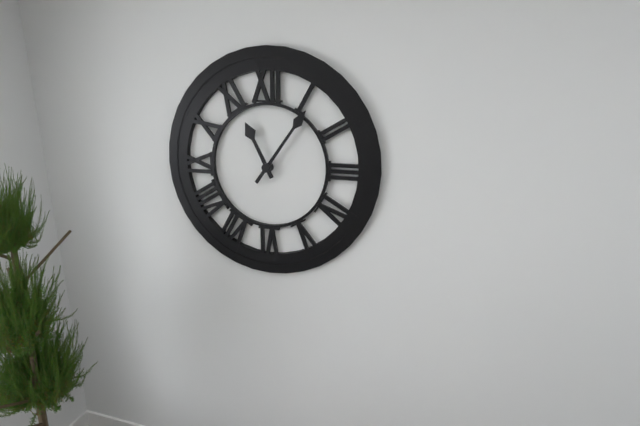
11 h 06 min
